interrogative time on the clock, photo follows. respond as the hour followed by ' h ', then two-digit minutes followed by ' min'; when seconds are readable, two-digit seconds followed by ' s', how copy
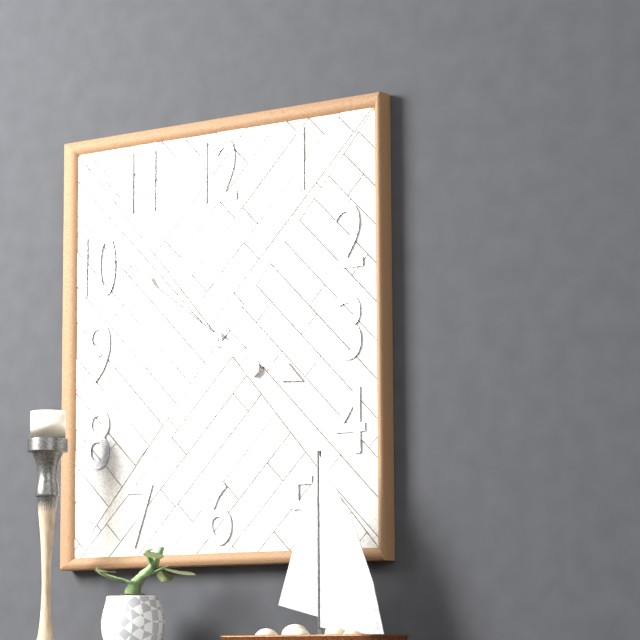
3 h 51 min
